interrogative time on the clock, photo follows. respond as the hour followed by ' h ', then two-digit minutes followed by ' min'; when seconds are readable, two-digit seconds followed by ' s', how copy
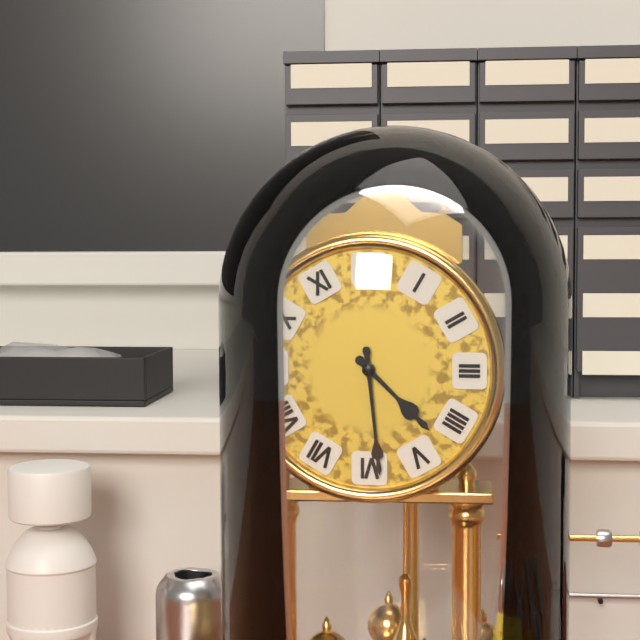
4 h 29 min
